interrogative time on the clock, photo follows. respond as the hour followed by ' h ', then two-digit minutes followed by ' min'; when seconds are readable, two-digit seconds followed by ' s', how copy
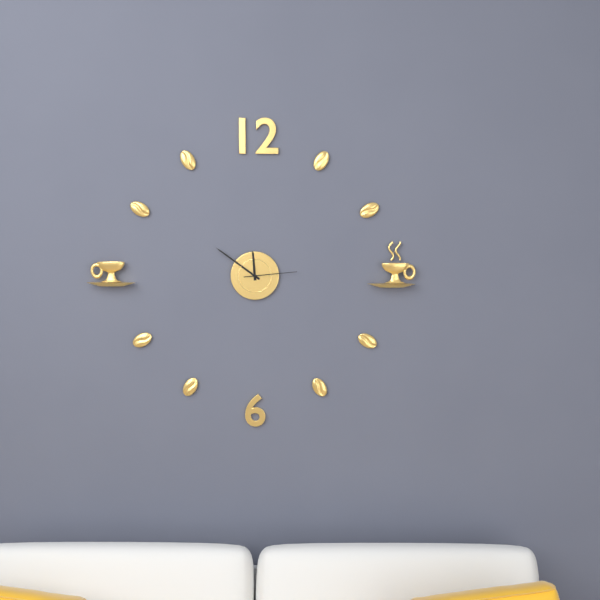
11 h 51 min 14 s
